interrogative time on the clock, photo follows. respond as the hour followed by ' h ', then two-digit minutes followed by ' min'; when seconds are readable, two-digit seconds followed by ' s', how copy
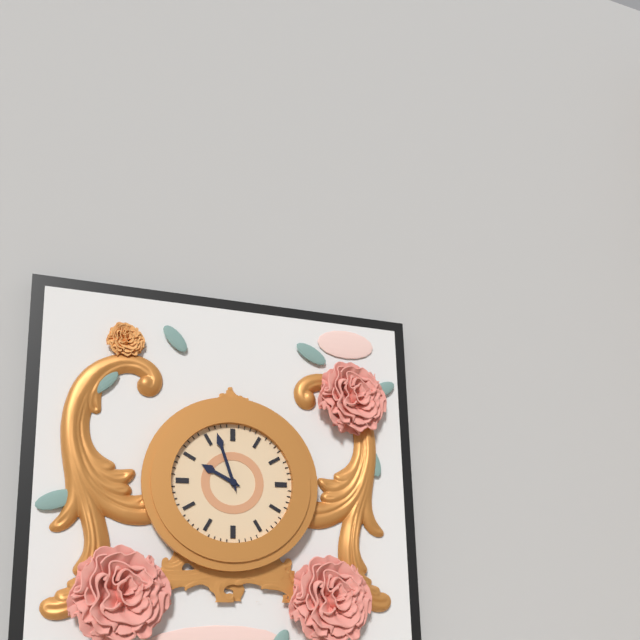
9 h 57 min
